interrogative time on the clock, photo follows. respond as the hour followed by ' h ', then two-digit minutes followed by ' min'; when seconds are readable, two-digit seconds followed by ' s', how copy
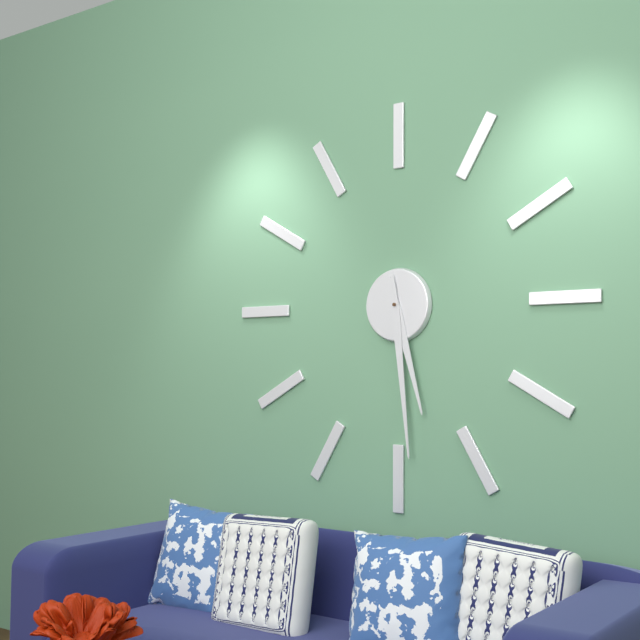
5 h 29 min
